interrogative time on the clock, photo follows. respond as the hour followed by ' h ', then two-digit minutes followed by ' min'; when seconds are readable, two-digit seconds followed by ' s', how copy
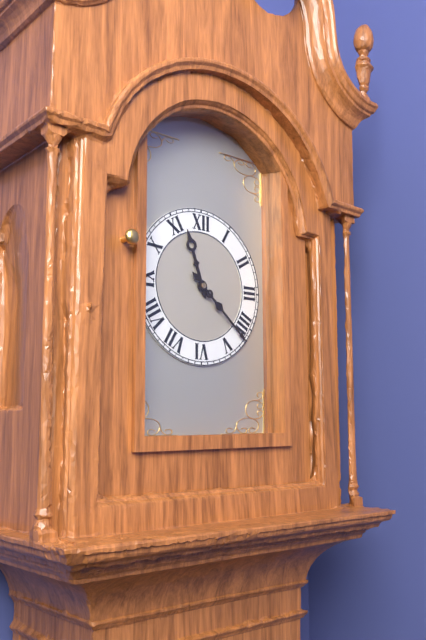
11 h 22 min
